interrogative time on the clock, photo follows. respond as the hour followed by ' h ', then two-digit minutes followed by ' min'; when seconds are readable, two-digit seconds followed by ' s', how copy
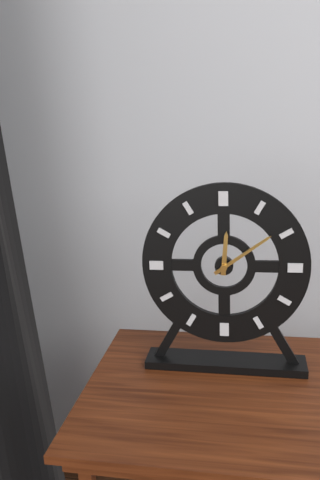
12 h 09 min
